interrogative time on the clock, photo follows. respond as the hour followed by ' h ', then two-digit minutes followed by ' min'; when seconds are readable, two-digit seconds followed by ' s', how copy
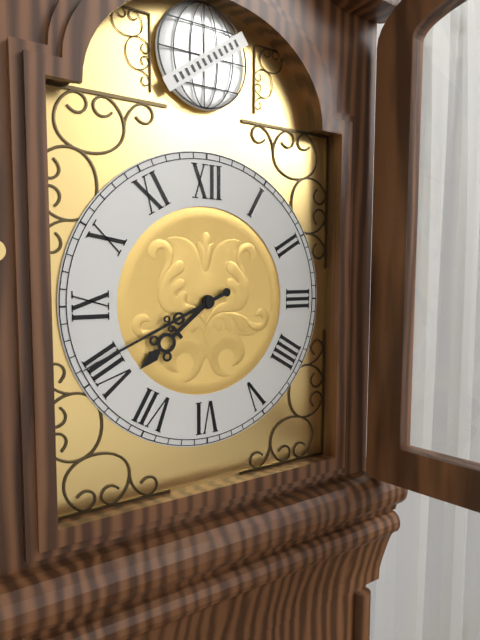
7 h 41 min
